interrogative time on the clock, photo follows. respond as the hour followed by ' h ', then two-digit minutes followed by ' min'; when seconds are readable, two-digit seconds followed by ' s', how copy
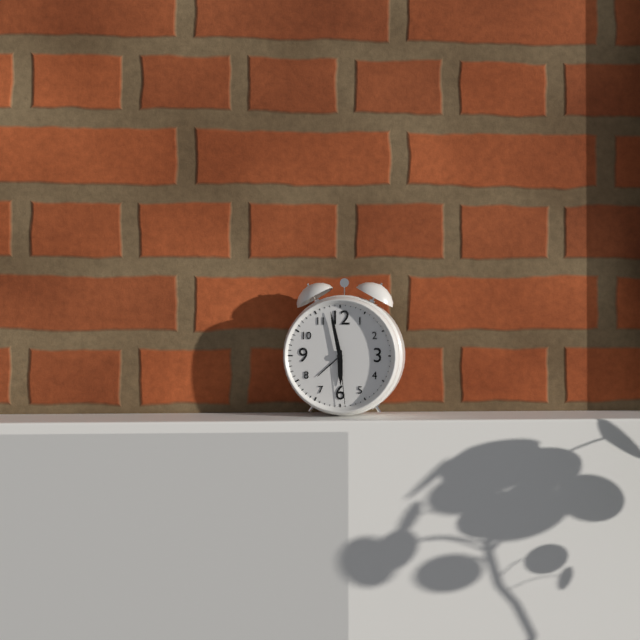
5 h 58 min 29 s
